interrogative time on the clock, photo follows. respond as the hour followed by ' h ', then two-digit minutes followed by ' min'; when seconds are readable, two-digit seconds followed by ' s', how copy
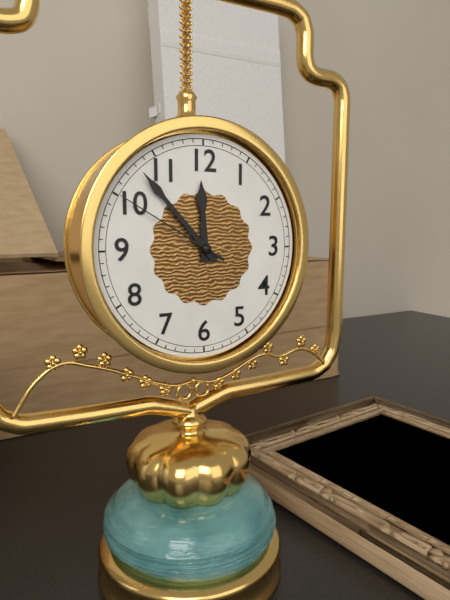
11 h 53 min 50 s
